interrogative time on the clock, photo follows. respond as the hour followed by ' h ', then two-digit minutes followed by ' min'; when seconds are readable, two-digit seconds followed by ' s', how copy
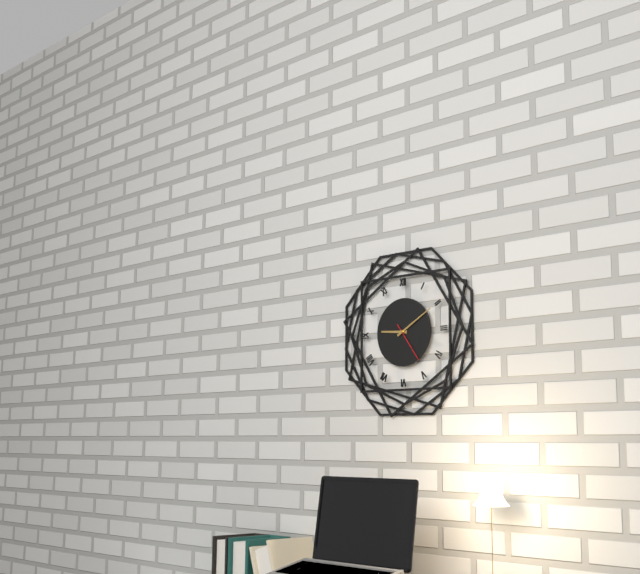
9 h 10 min
